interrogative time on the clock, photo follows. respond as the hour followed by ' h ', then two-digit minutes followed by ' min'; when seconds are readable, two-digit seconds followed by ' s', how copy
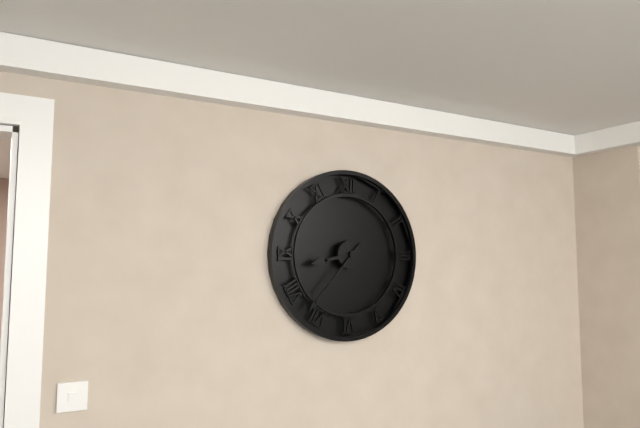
8 h 37 min
